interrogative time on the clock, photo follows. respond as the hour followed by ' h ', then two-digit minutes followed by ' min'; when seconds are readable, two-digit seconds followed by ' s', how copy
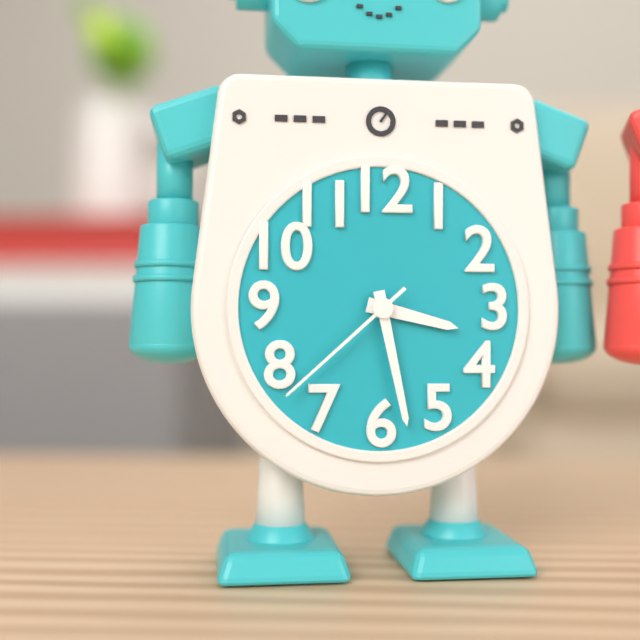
3 h 28 min 38 s
